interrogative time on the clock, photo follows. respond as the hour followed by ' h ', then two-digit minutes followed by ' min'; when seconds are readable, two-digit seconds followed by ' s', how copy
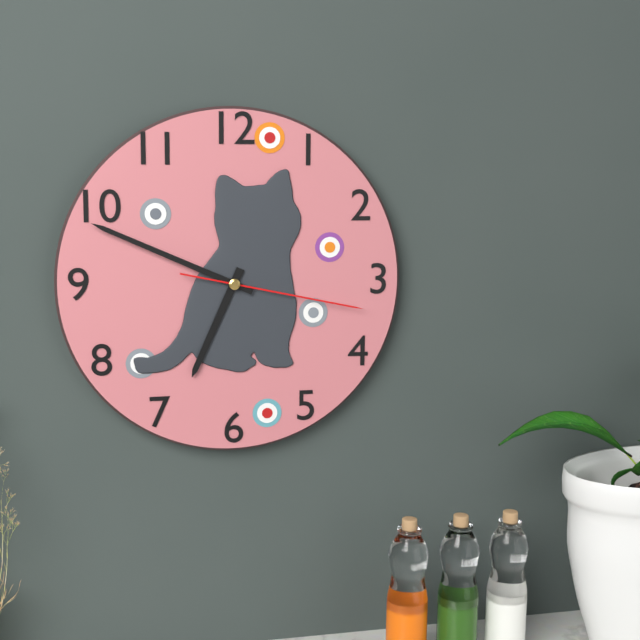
6 h 49 min 17 s
